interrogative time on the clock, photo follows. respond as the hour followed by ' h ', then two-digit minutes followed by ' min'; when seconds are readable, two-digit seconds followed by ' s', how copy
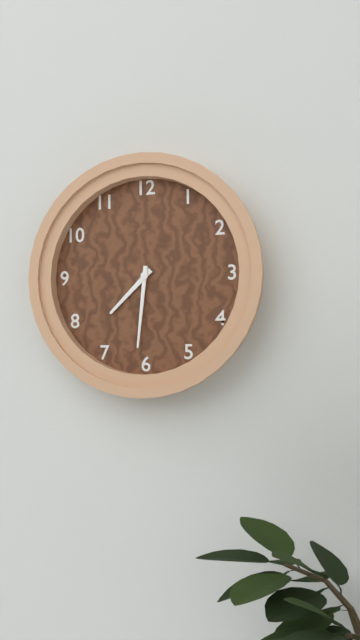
7 h 31 min
